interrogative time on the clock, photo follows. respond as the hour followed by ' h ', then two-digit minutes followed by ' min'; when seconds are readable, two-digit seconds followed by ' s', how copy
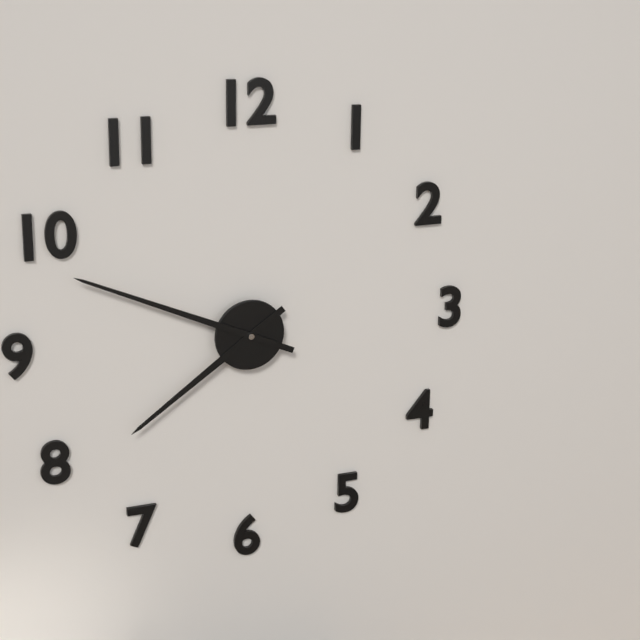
7 h 49 min
